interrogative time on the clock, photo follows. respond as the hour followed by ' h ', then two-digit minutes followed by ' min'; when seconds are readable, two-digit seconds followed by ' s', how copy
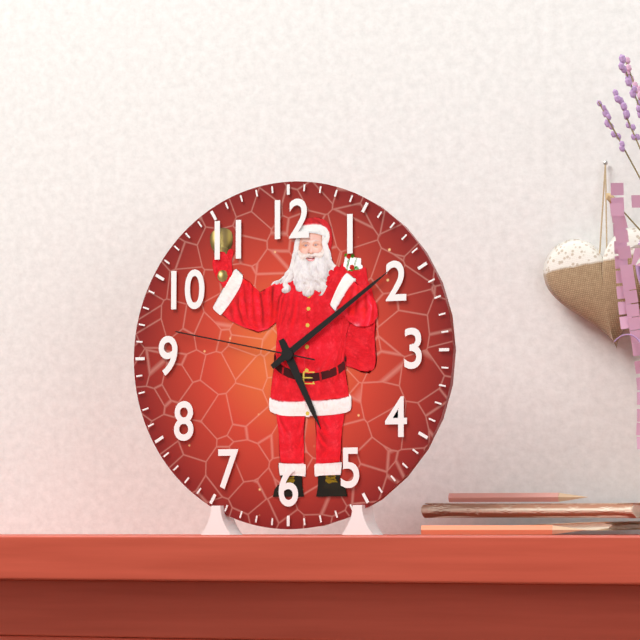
5 h 09 min 47 s
